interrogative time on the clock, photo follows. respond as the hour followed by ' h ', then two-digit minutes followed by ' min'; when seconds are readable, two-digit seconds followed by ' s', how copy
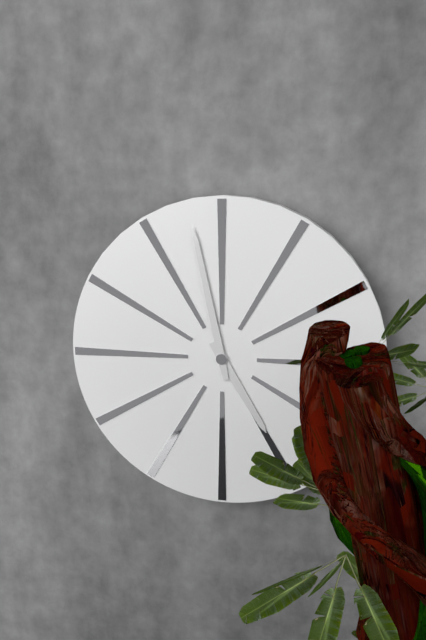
4 h 58 min
